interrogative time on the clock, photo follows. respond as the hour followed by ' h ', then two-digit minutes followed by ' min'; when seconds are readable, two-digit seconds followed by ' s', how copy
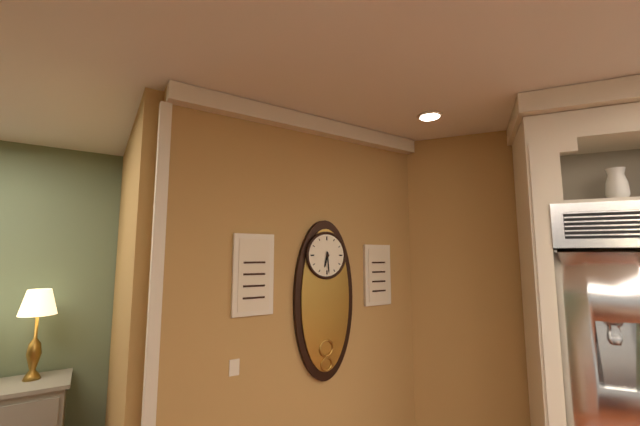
6 h 29 min
